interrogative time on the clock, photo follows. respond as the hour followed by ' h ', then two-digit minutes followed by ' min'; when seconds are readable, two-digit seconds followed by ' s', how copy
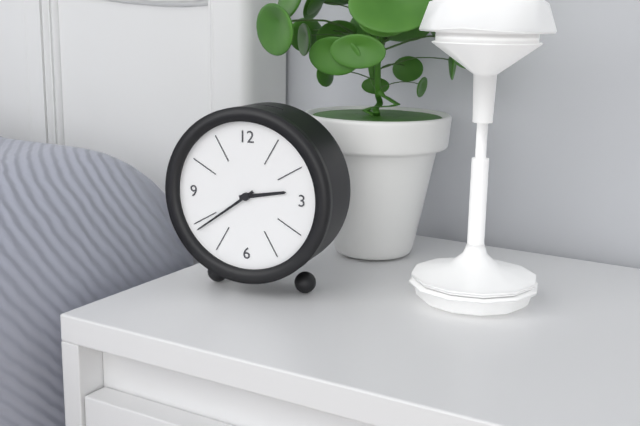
2 h 39 min
